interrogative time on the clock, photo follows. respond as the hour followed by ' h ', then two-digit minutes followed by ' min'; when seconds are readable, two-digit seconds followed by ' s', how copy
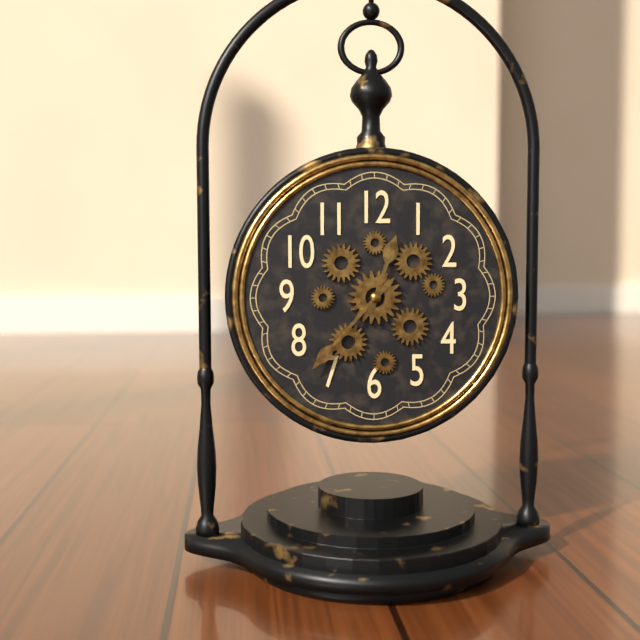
12 h 37 min
